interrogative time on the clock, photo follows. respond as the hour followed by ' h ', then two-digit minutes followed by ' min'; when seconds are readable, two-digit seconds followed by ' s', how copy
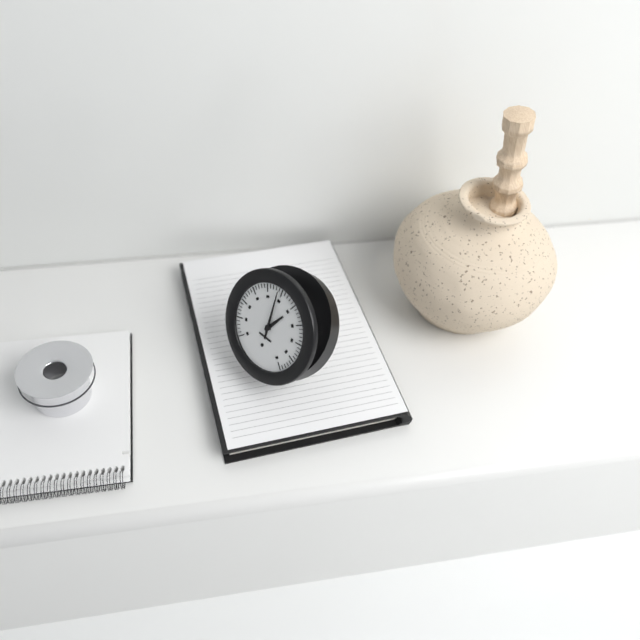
12 h 59 min
